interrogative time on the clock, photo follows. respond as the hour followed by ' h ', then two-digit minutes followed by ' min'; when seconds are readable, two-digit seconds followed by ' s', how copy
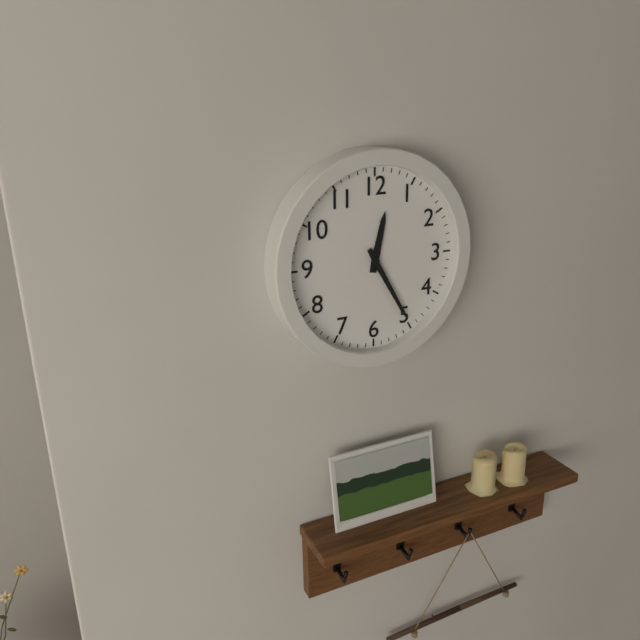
12 h 25 min
